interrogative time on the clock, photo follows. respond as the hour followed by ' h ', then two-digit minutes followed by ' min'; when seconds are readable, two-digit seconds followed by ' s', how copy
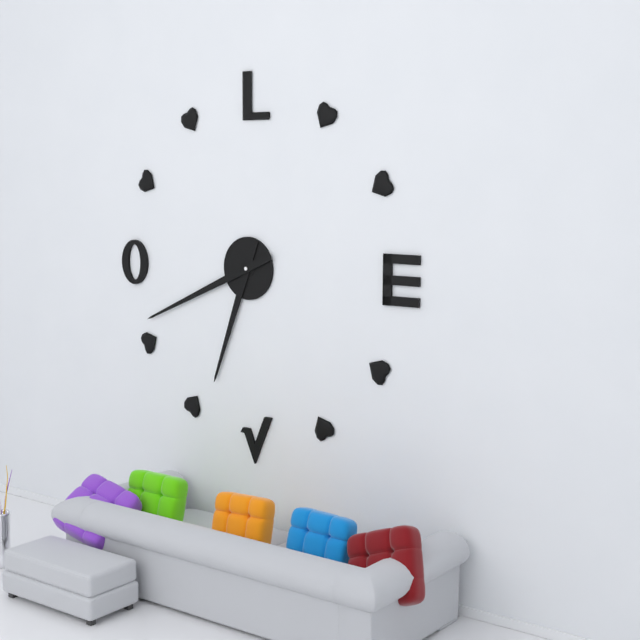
6 h 41 min
